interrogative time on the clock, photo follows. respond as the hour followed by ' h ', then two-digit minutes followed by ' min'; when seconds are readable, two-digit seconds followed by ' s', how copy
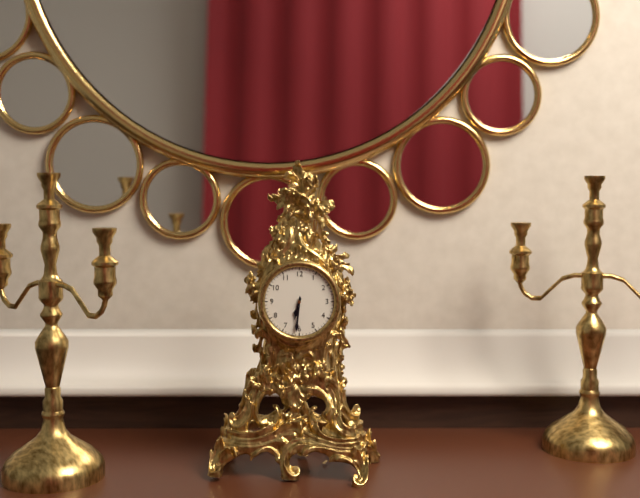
6 h 31 min
